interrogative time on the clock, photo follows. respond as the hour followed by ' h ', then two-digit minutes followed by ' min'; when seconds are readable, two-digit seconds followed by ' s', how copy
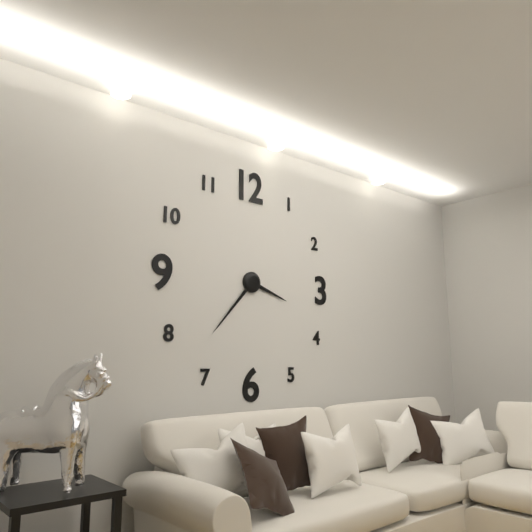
3 h 37 min
